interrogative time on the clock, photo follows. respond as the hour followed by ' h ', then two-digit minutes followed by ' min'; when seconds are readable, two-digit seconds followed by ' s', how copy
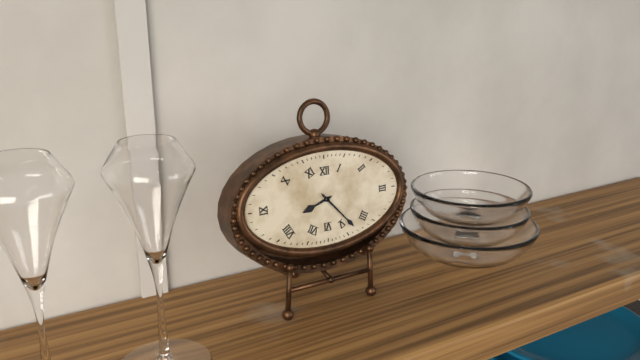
8 h 23 min
